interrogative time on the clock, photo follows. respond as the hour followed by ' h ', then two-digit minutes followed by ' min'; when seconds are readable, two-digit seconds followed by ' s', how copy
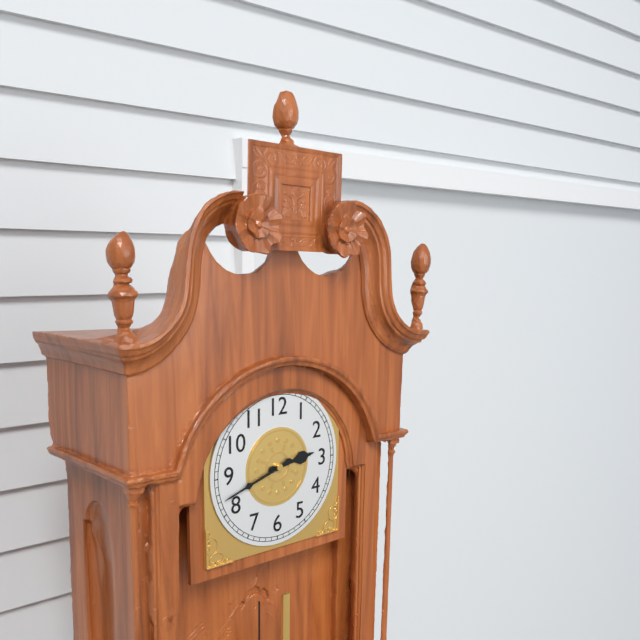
2 h 42 min
